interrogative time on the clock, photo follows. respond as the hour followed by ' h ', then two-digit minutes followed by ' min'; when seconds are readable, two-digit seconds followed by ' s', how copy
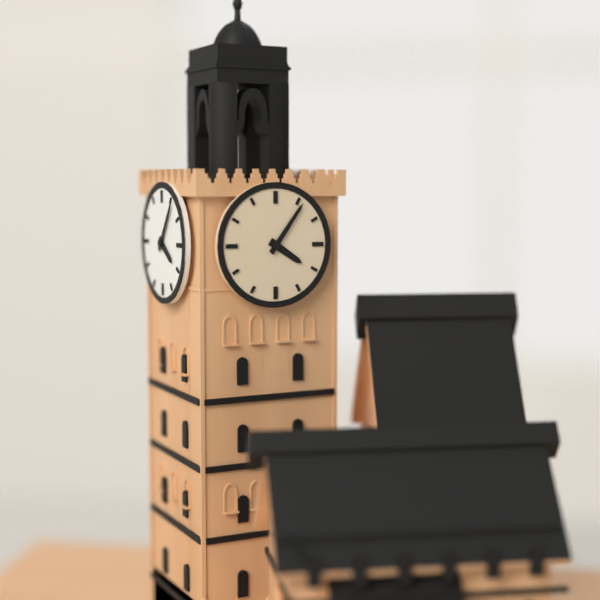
4 h 06 min
